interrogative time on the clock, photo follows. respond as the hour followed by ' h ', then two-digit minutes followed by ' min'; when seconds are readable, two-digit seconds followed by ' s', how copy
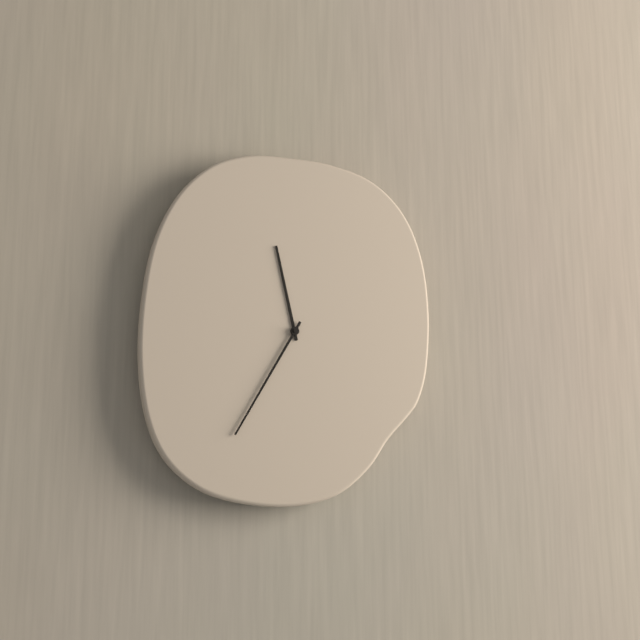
11 h 35 min
